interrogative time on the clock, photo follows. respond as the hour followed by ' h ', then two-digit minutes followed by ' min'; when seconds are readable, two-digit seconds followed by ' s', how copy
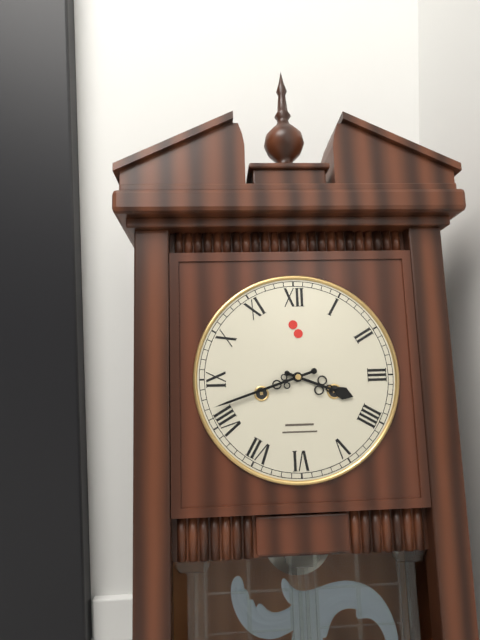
3 h 42 min
